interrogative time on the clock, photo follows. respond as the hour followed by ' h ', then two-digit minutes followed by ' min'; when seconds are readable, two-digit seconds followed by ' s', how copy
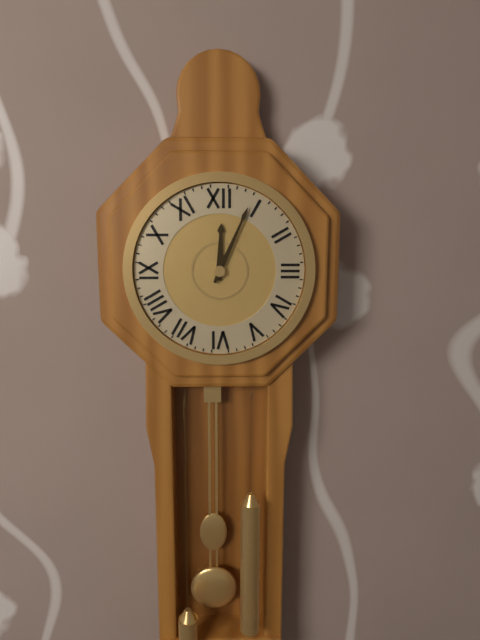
12 h 04 min
